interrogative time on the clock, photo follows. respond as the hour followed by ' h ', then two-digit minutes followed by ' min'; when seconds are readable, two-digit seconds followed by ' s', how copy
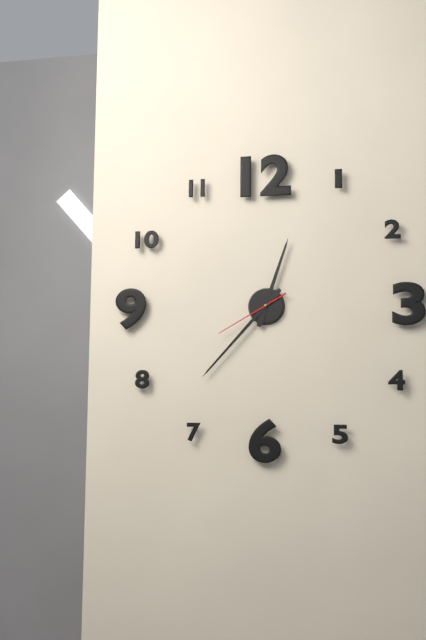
12 h 37 min 40 s
